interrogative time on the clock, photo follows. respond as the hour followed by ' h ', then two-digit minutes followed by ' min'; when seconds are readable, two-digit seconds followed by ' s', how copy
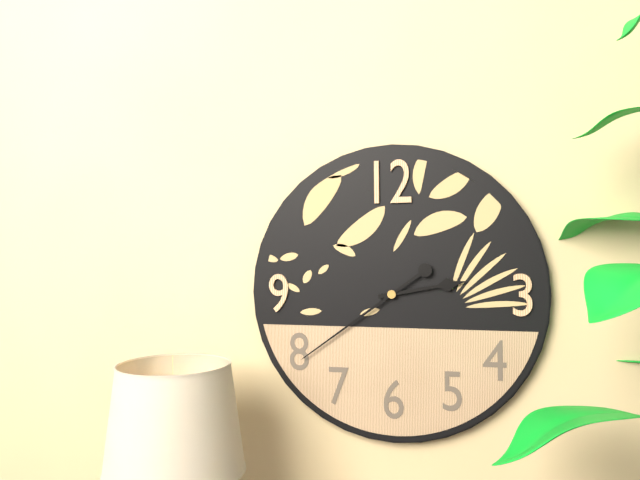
2 h 39 min
